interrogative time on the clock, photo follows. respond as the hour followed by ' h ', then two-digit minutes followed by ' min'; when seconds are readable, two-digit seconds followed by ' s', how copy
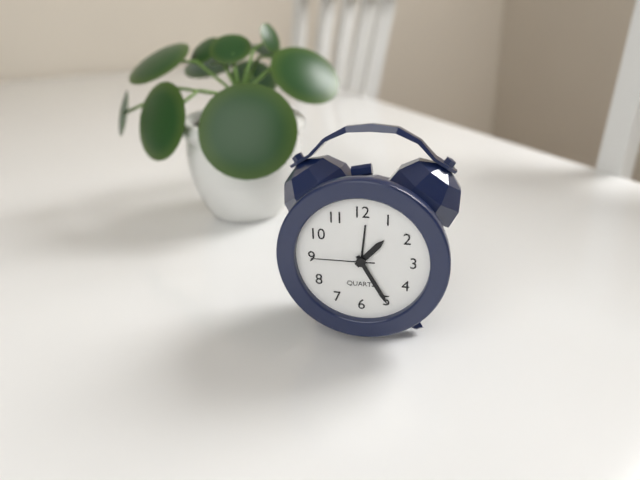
1 h 25 min 45 s
